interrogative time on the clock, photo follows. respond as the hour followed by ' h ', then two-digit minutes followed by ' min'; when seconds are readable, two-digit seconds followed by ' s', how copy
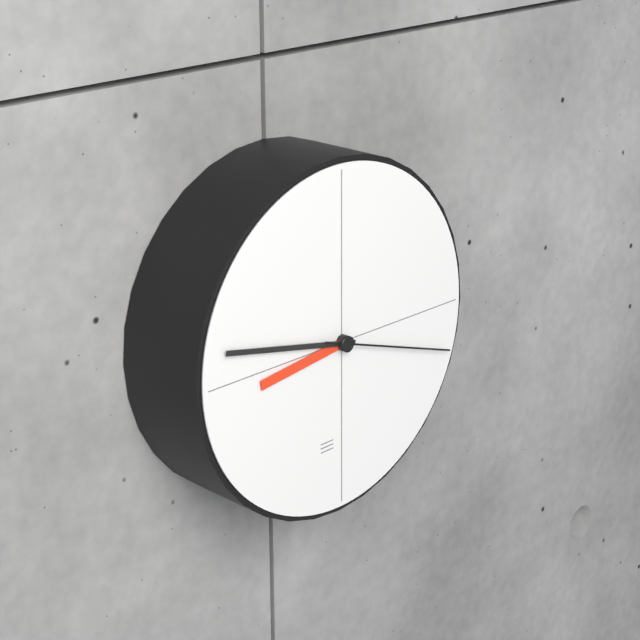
8 h 47 min 18 s
